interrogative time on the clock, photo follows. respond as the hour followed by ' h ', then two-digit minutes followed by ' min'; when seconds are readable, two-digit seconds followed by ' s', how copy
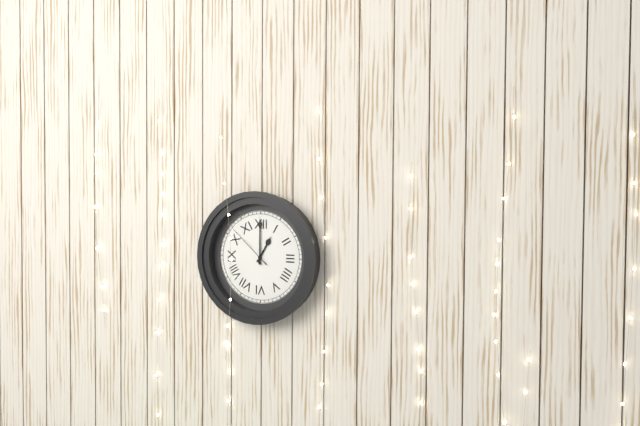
1 h 00 min
